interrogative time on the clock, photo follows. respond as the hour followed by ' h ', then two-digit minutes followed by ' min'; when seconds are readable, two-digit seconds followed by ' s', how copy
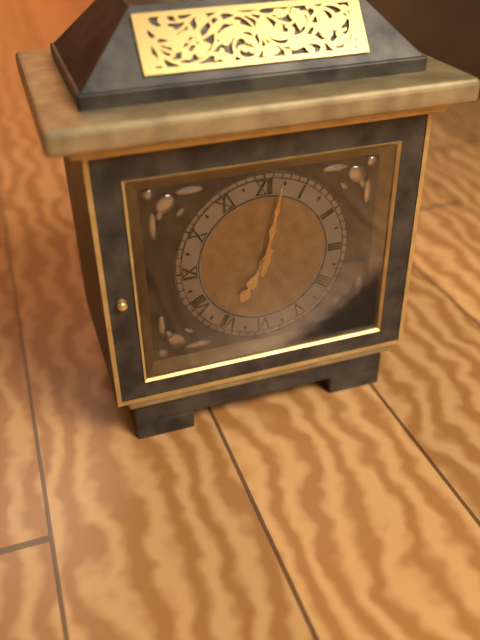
7 h 02 min
